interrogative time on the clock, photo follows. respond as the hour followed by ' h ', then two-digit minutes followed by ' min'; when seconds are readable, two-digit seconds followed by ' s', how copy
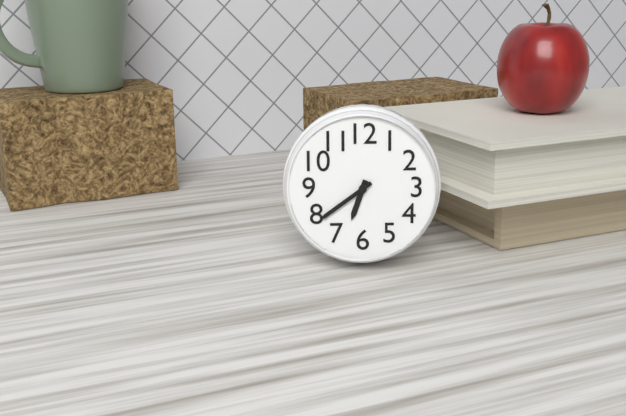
6 h 39 min
